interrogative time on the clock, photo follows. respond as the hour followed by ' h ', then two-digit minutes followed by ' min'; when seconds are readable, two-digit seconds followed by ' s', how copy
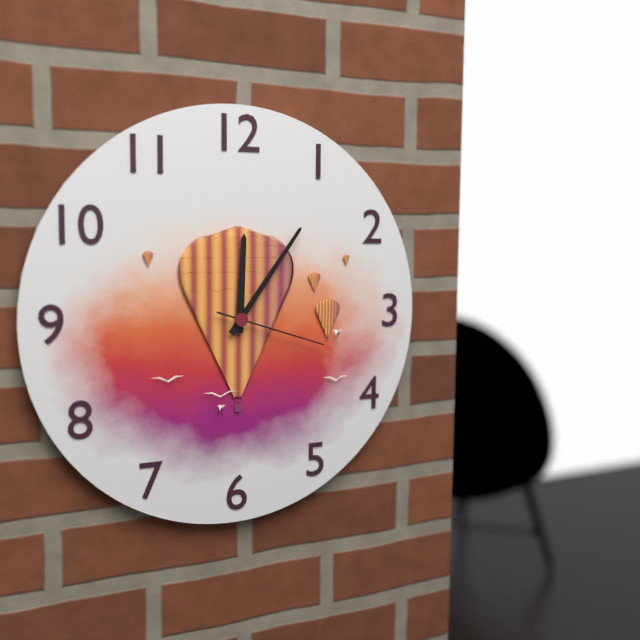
12 h 06 min 18 s
